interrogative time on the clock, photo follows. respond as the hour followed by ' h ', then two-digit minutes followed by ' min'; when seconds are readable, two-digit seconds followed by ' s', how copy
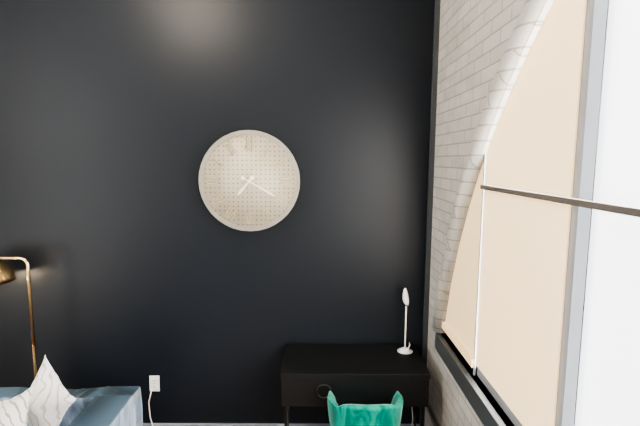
7 h 20 min
